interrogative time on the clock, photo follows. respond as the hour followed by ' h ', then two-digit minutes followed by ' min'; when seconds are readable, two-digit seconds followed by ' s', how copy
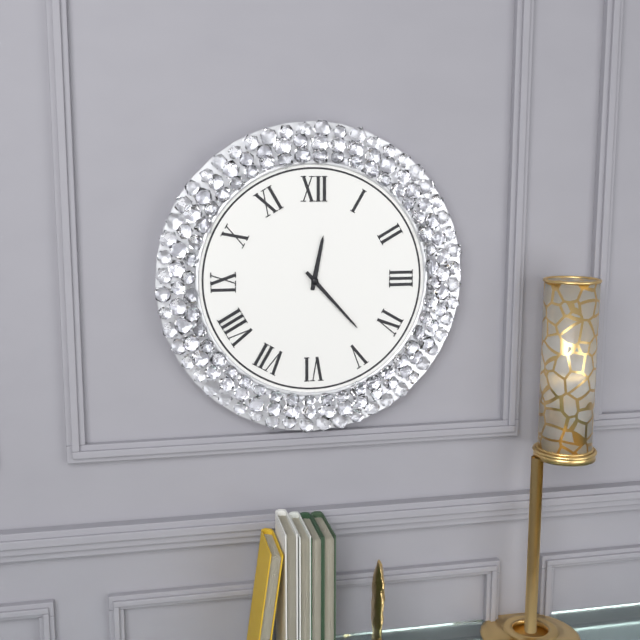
12 h 23 min
